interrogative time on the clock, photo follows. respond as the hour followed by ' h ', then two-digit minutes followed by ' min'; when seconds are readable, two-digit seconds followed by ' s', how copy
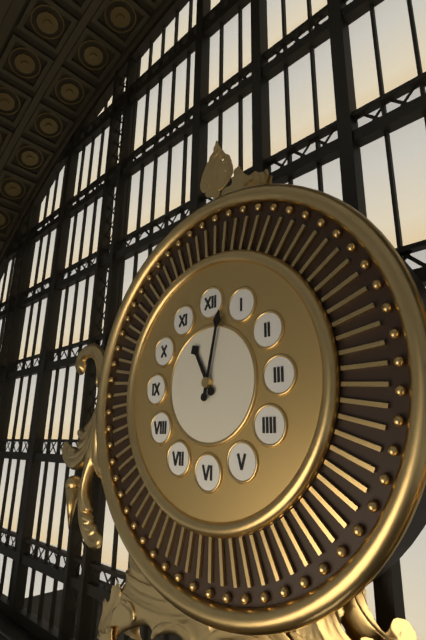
11 h 02 min
